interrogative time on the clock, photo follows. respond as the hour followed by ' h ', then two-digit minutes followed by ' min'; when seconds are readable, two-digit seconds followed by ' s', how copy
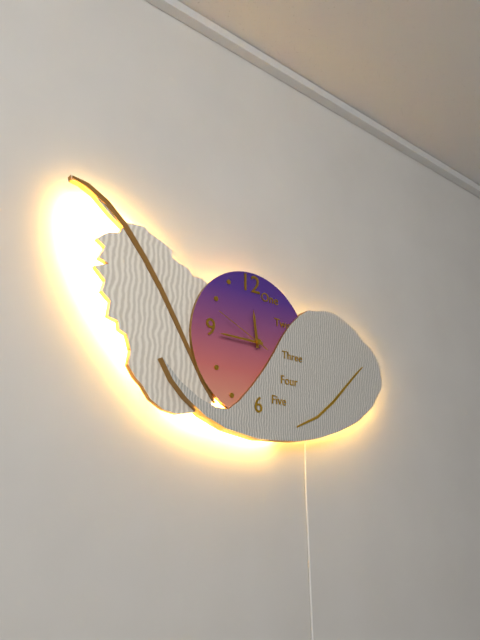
11 h 45 min 49 s
